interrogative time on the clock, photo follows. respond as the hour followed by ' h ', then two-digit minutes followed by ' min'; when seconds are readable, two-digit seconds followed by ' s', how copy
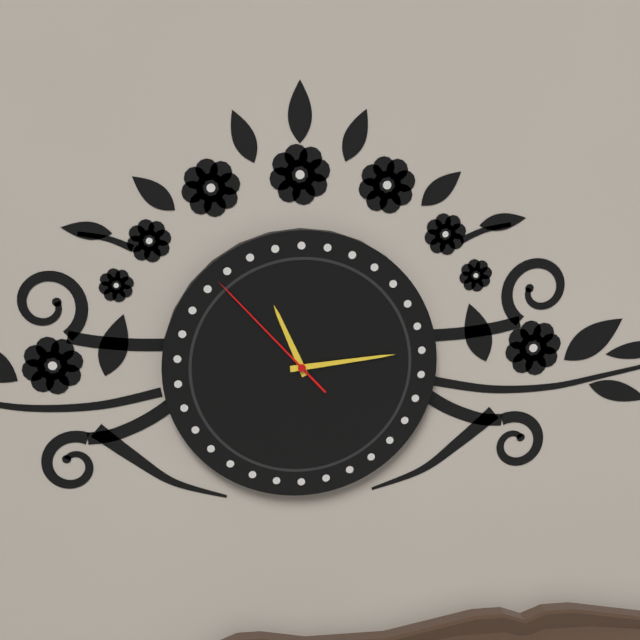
11 h 14 min 53 s
